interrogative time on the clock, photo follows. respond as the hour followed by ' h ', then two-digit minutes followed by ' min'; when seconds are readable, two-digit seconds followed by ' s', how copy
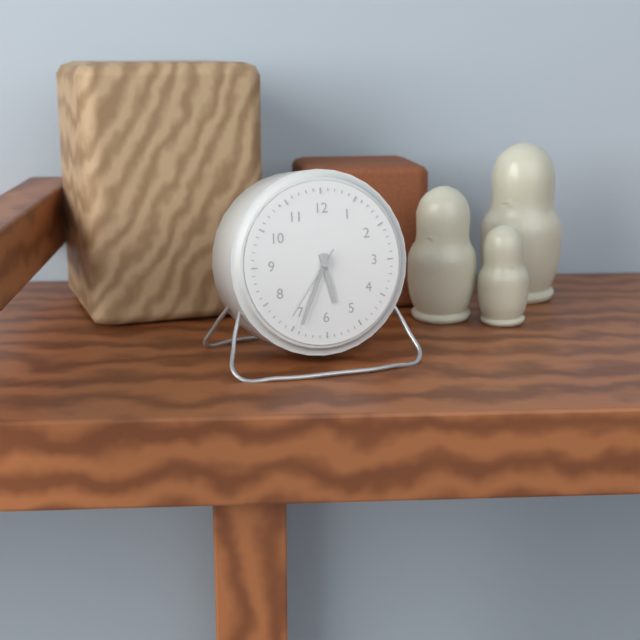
5 h 34 min 36 s
